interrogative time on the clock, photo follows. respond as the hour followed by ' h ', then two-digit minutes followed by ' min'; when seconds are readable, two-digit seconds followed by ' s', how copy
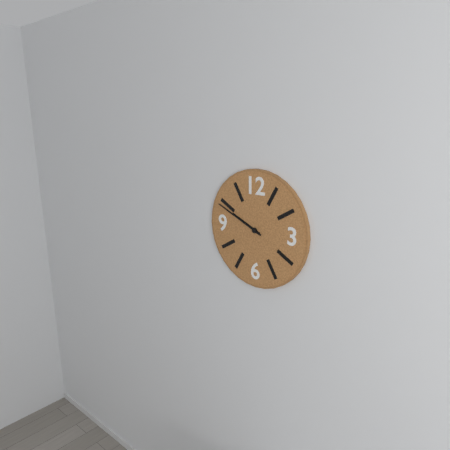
9 h 49 min
